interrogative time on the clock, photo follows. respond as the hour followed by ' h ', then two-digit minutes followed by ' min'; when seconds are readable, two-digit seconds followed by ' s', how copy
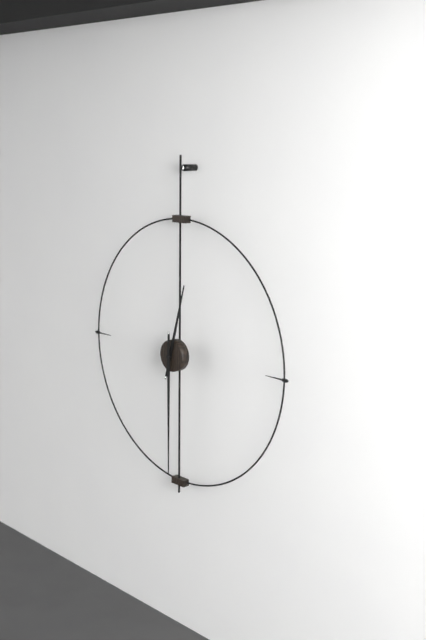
12 h 30 min
